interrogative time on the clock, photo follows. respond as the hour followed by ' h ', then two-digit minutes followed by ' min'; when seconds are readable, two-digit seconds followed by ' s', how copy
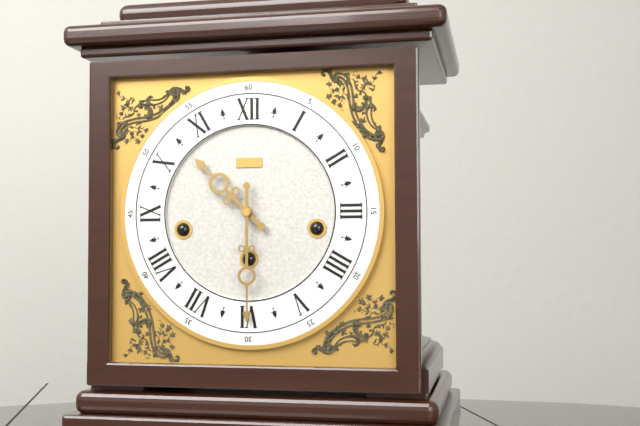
10 h 30 min
